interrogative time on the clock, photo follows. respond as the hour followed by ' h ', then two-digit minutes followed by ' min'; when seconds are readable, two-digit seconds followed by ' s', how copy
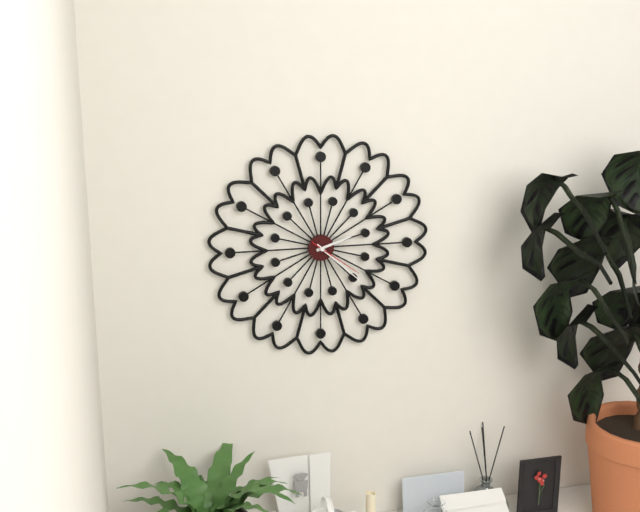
2 h 22 min 21 s
